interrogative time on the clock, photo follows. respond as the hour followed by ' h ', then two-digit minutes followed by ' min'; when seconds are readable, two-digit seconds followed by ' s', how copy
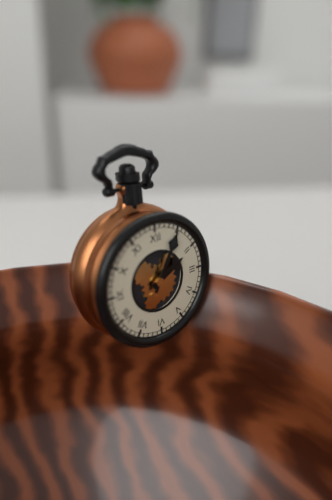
2 h 05 min
